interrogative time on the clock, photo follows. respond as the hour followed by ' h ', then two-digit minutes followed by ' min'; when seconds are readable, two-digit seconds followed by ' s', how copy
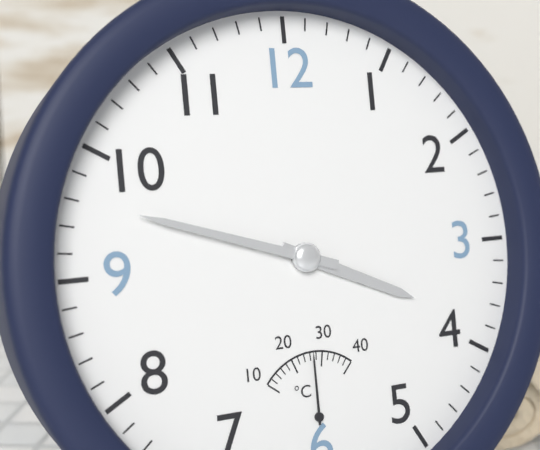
3 h 48 min
